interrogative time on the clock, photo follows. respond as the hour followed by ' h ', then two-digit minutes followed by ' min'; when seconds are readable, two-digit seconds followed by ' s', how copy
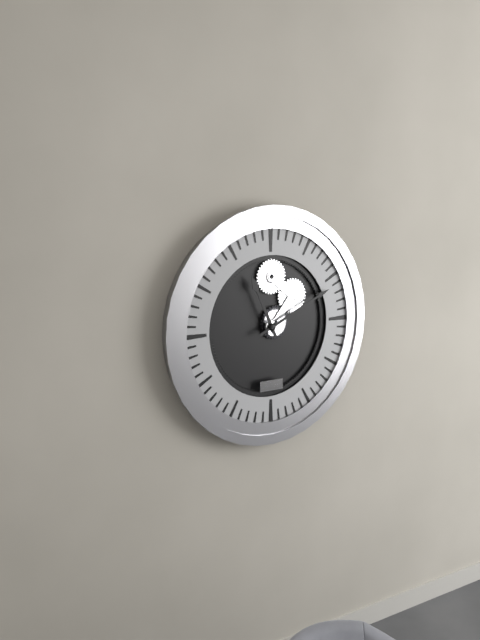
11 h 11 min
